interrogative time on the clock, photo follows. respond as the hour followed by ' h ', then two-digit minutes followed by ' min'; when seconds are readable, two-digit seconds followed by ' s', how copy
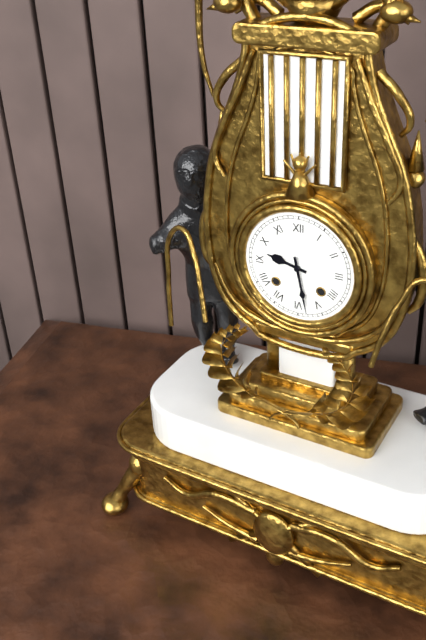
9 h 28 min
